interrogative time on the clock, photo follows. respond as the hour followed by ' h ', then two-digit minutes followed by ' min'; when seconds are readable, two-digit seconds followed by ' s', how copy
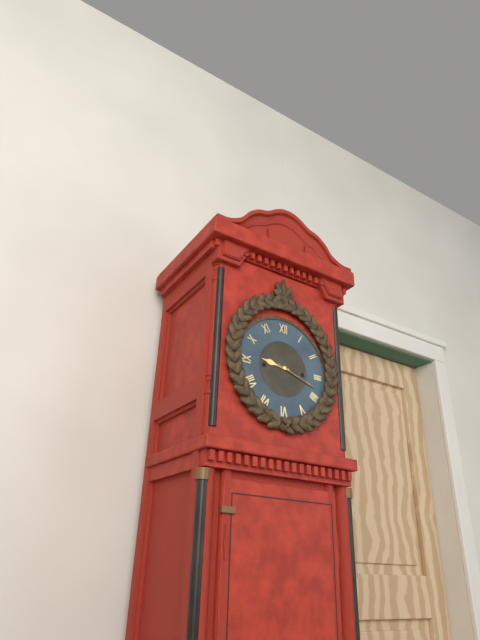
9 h 18 min
